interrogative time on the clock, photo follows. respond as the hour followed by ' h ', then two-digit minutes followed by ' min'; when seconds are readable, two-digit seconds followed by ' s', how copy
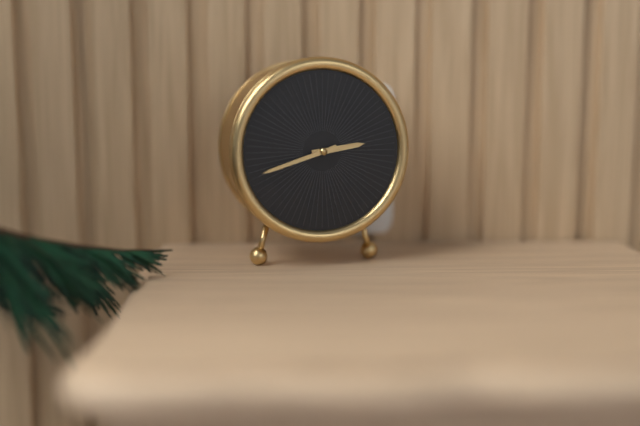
2 h 42 min
